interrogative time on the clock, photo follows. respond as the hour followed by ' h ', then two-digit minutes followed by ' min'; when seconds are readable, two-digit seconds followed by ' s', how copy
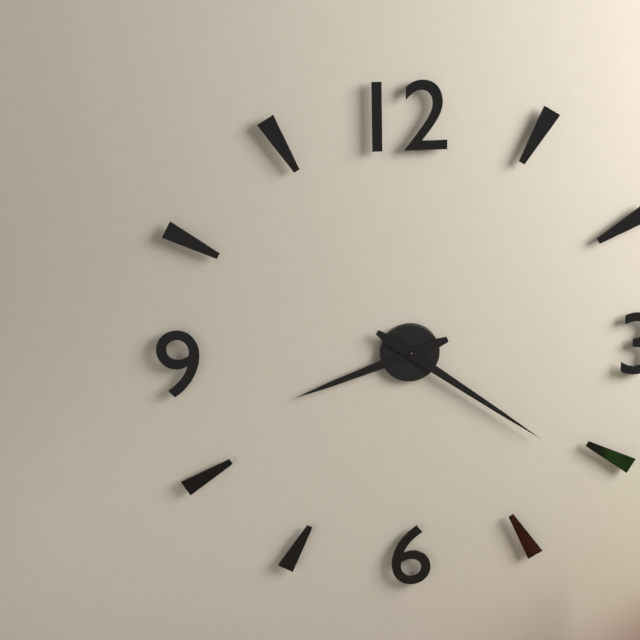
8 h 21 min
